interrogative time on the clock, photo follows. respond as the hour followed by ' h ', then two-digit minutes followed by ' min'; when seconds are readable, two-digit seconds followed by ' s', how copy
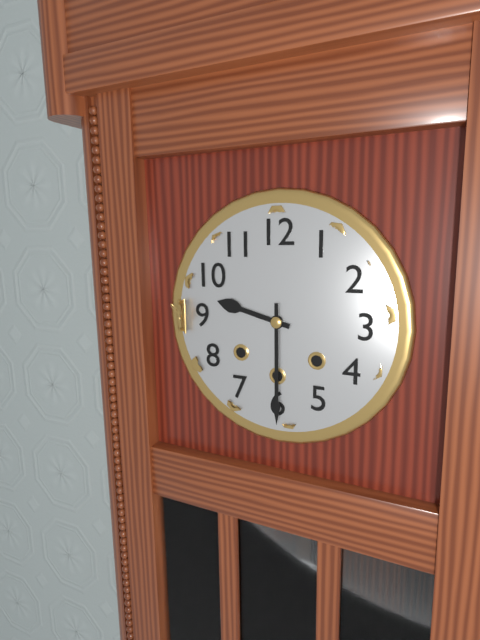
9 h 30 min
